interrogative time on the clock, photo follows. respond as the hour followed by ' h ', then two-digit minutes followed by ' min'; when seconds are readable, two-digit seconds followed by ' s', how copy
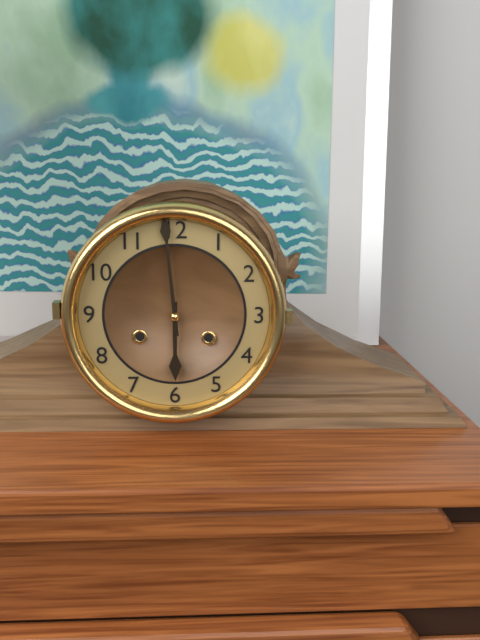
5 h 59 min
